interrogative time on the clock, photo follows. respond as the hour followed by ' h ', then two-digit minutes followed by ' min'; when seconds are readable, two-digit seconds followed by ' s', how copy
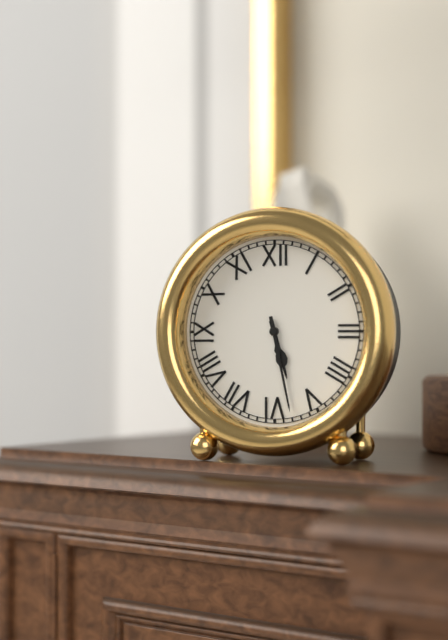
5 h 28 min
